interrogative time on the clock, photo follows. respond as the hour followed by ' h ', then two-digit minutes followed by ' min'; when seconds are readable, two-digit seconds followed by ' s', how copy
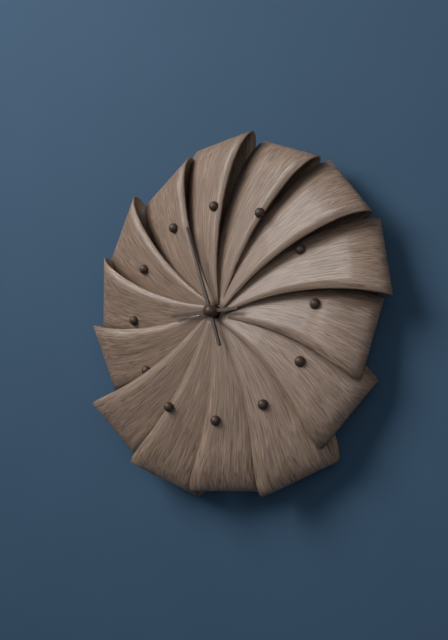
8 h 57 min
